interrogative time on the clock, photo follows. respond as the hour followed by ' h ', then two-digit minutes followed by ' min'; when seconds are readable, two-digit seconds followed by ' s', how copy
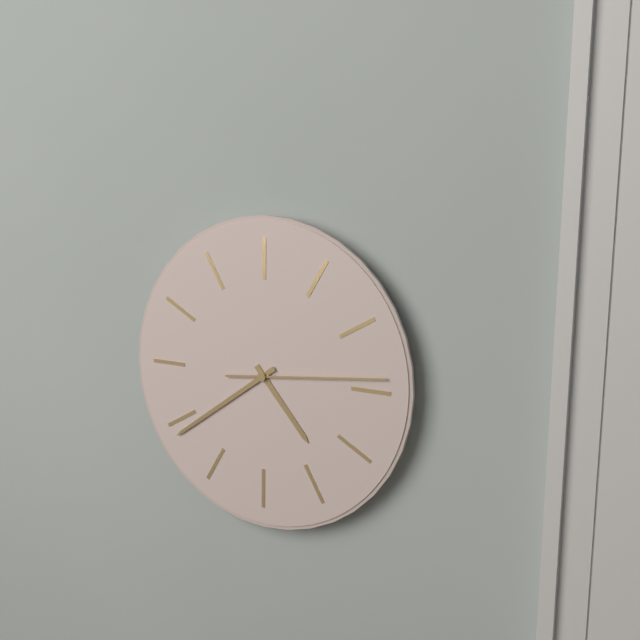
4 h 39 min 14 s
